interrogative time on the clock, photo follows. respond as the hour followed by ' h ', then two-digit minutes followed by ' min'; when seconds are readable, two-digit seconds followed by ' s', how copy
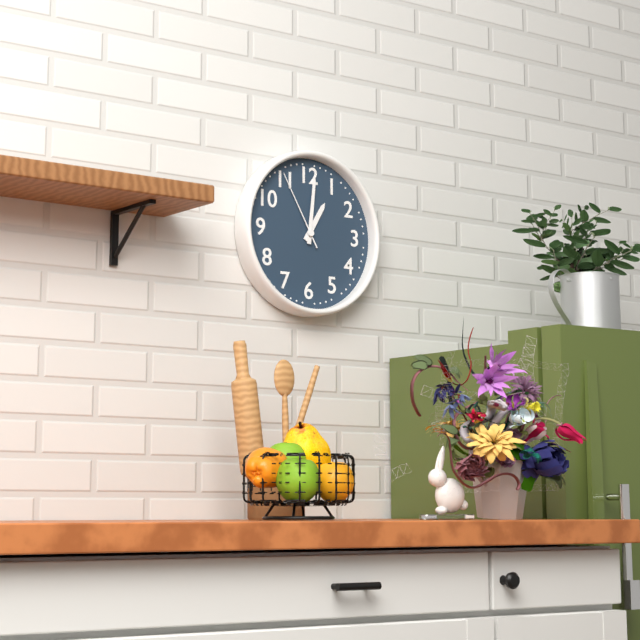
1 h 01 min 55 s
